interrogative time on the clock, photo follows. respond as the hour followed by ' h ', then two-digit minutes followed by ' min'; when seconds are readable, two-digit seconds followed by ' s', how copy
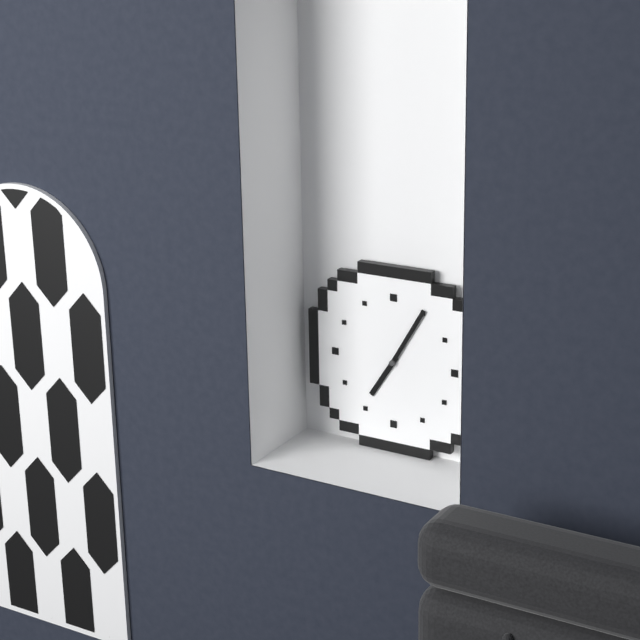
7 h 05 min
